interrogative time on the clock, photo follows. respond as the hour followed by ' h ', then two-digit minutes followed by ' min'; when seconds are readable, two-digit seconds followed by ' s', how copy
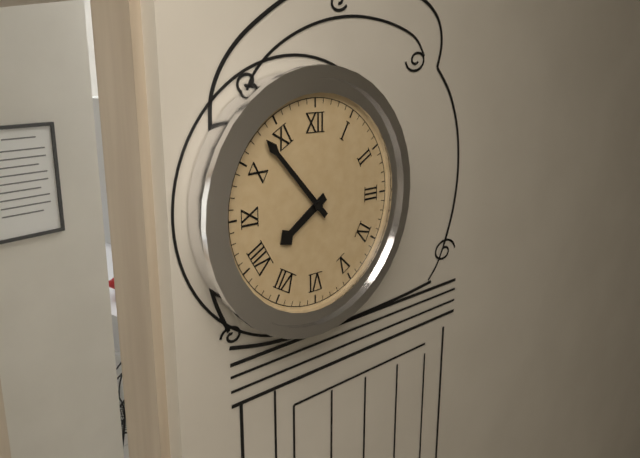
7 h 53 min
